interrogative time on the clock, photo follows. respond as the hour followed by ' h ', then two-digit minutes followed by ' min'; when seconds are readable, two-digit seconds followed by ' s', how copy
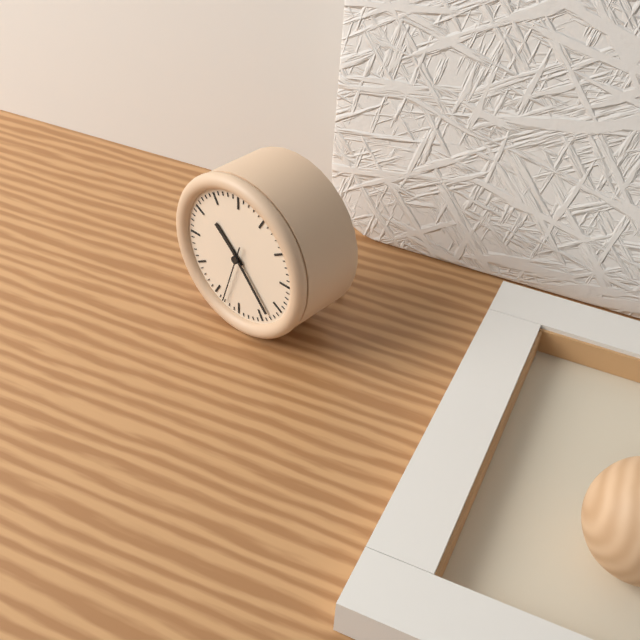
10 h 23 min 33 s
